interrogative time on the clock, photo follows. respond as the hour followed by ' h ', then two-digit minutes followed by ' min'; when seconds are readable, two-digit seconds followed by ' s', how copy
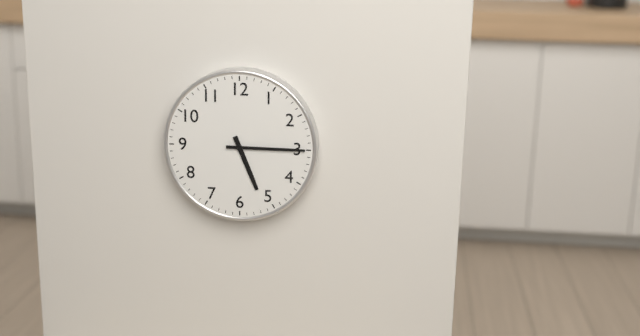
5 h 15 min
